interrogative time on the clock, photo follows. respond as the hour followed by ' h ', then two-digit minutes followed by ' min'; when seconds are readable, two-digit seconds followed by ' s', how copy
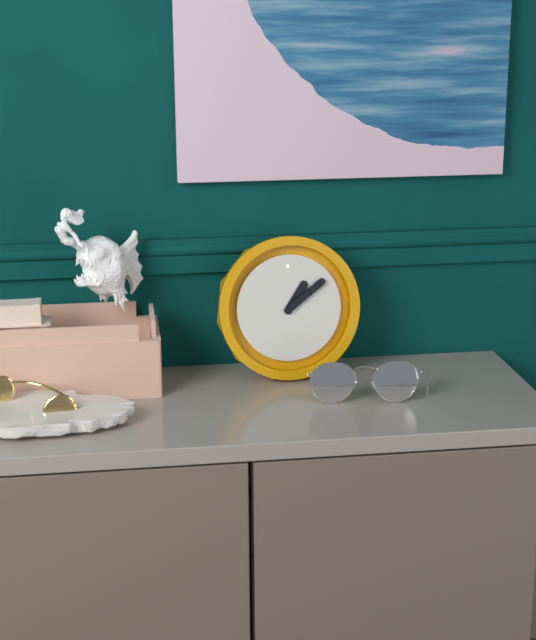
1 h 09 min
